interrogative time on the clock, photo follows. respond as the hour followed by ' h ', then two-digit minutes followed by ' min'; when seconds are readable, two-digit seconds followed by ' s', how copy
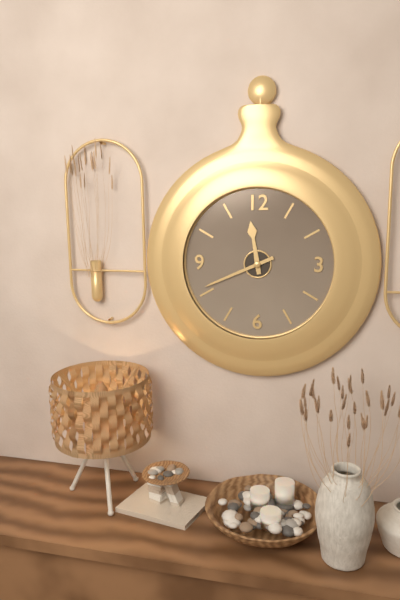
11 h 41 min
